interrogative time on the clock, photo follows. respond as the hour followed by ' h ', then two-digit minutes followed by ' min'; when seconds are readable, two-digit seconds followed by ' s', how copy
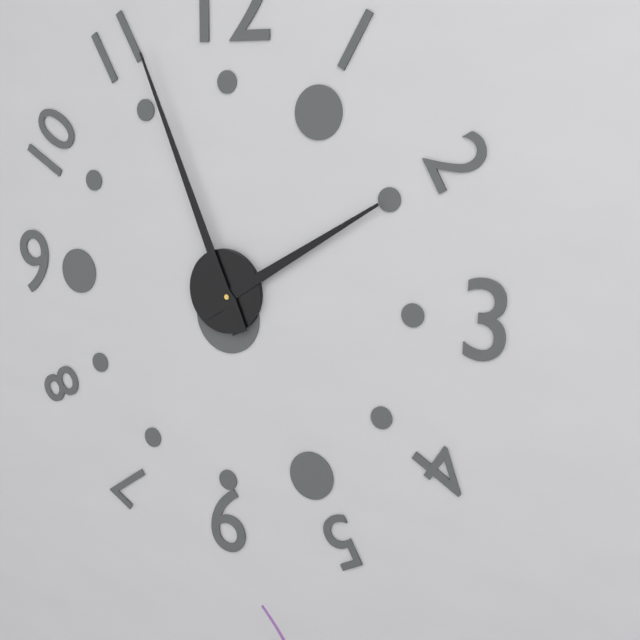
1 h 56 min
